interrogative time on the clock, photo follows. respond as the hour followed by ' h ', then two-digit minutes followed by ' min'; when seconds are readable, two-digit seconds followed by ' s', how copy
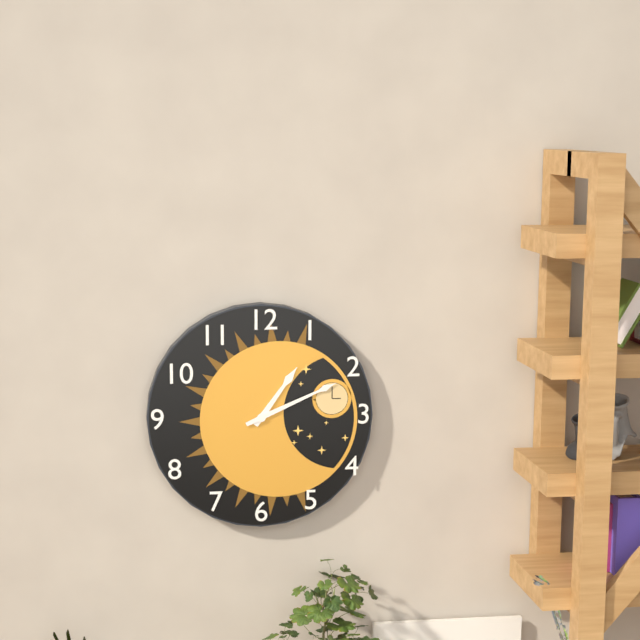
1 h 11 min
